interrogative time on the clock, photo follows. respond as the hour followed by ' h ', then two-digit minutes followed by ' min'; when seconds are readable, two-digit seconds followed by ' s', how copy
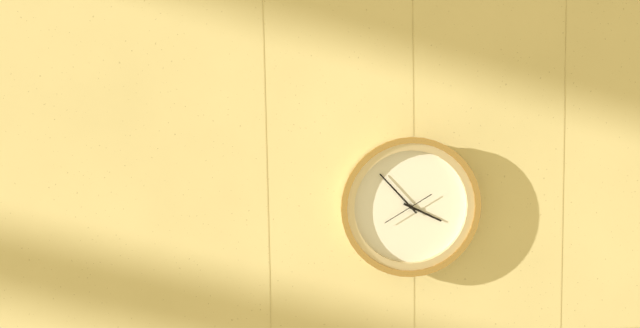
3 h 53 min
